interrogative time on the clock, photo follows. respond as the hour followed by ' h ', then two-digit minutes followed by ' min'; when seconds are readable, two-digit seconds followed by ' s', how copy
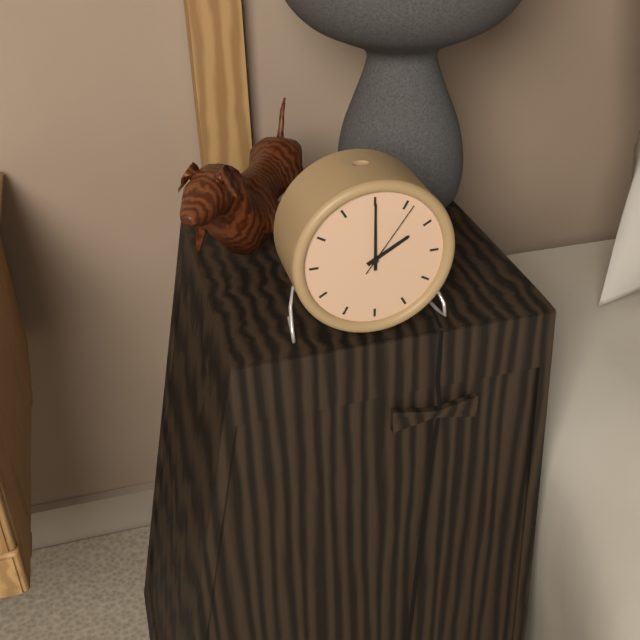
2 h 00 min 06 s
